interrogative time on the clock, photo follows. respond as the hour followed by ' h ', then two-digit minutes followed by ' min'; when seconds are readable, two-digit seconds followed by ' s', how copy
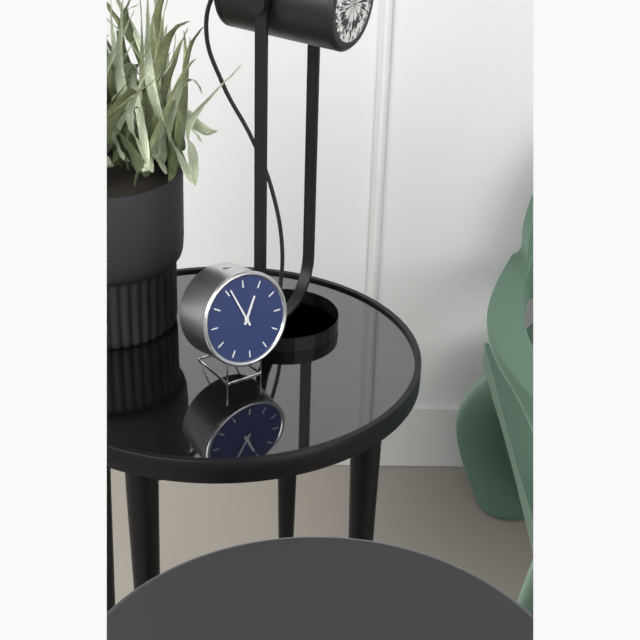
12 h 56 min
